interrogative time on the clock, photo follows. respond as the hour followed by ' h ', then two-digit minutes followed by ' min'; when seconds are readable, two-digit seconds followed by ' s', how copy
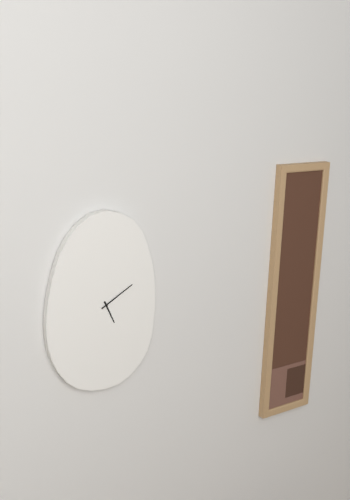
5 h 10 min
